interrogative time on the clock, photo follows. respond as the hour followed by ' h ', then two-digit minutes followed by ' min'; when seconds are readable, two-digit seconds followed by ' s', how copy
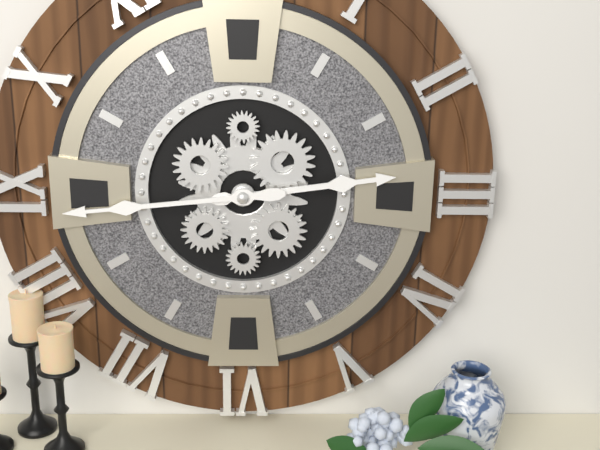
2 h 44 min
